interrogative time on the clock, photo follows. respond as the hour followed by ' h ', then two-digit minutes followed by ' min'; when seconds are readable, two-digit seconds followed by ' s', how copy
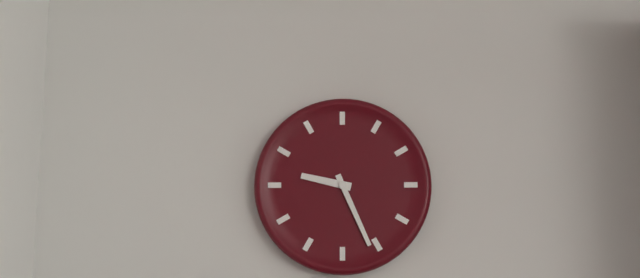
9 h 26 min
